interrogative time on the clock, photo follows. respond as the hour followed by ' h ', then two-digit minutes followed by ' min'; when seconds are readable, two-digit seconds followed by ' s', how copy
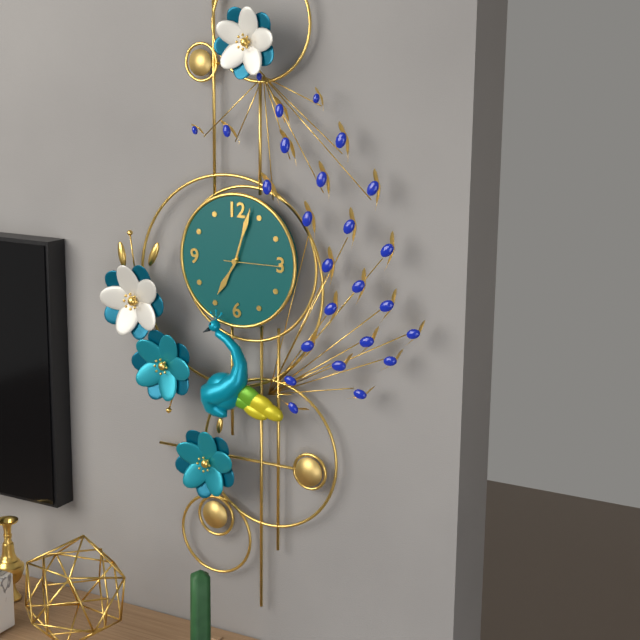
7 h 03 min 15 s
